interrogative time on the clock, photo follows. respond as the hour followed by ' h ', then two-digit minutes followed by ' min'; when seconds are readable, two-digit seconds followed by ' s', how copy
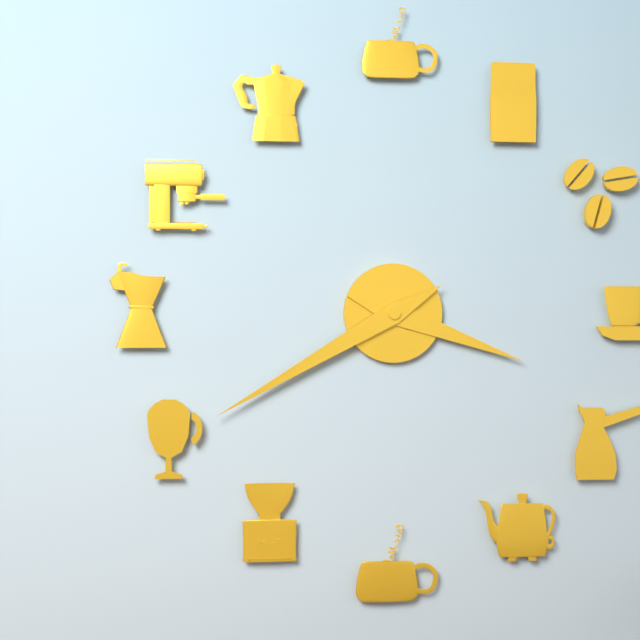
3 h 40 min
